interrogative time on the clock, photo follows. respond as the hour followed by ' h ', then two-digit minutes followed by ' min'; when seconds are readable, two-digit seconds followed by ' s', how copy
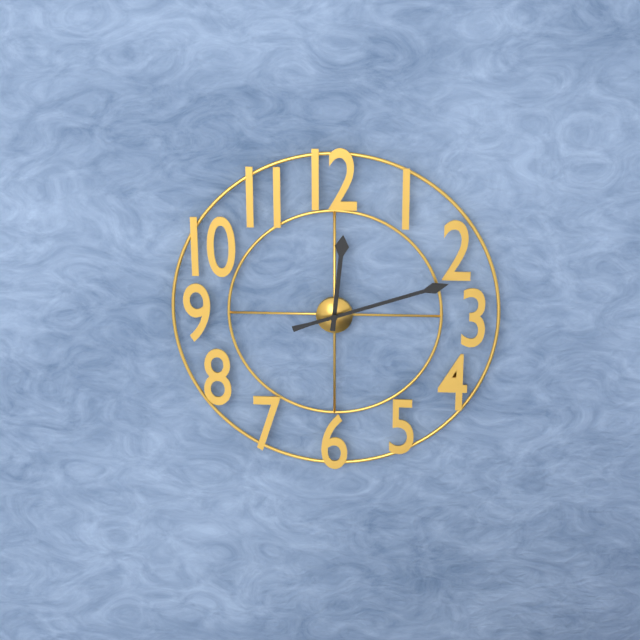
12 h 12 min
